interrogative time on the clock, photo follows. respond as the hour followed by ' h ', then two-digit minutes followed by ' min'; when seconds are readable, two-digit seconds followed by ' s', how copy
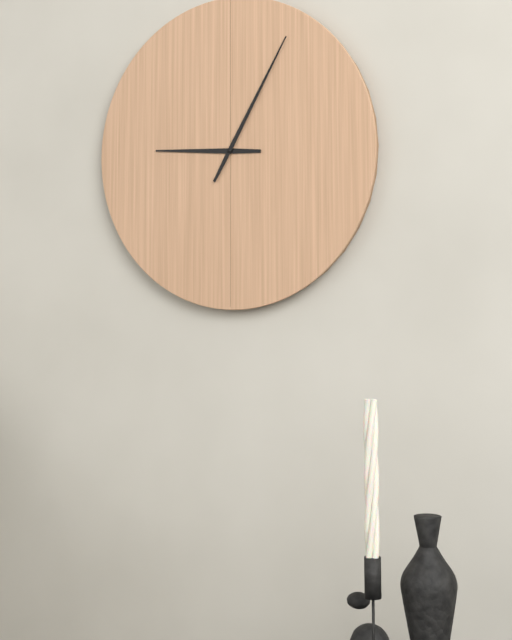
9 h 05 min
